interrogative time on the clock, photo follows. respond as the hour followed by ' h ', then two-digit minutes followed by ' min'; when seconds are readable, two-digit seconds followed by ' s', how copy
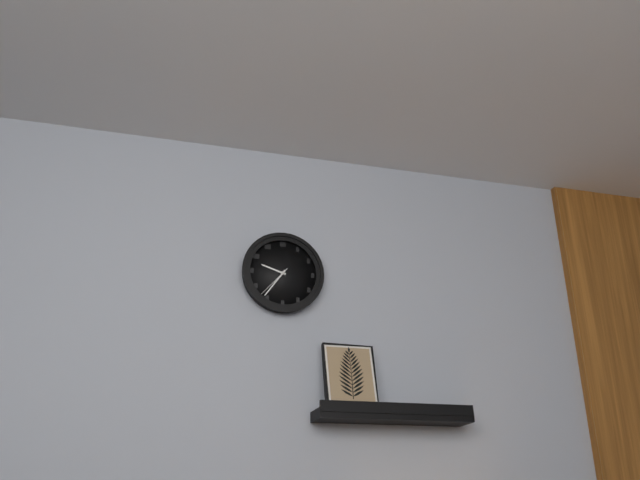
9 h 36 min
